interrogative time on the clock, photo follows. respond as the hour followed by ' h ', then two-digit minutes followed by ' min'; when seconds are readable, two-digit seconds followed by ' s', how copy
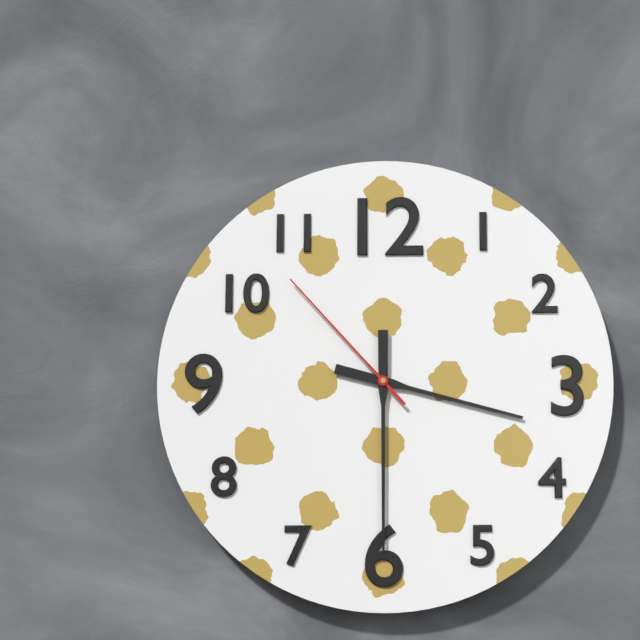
3 h 30 min 53 s
